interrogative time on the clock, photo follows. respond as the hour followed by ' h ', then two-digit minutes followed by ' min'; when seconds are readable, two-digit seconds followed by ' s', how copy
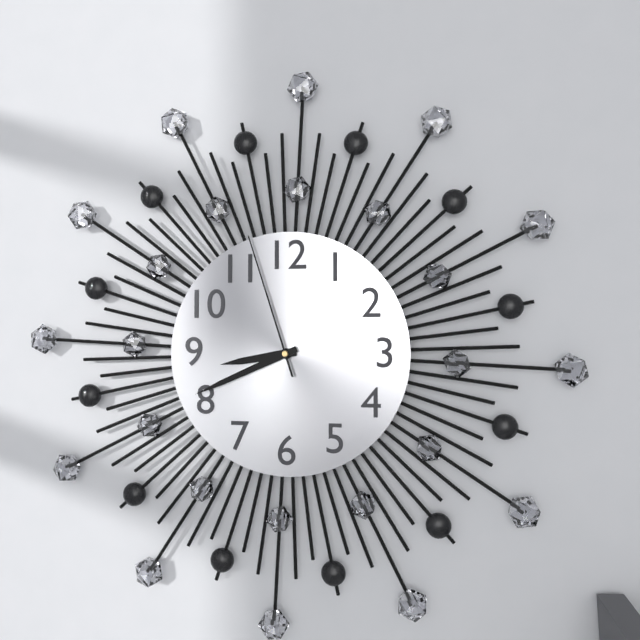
8 h 41 min 57 s
